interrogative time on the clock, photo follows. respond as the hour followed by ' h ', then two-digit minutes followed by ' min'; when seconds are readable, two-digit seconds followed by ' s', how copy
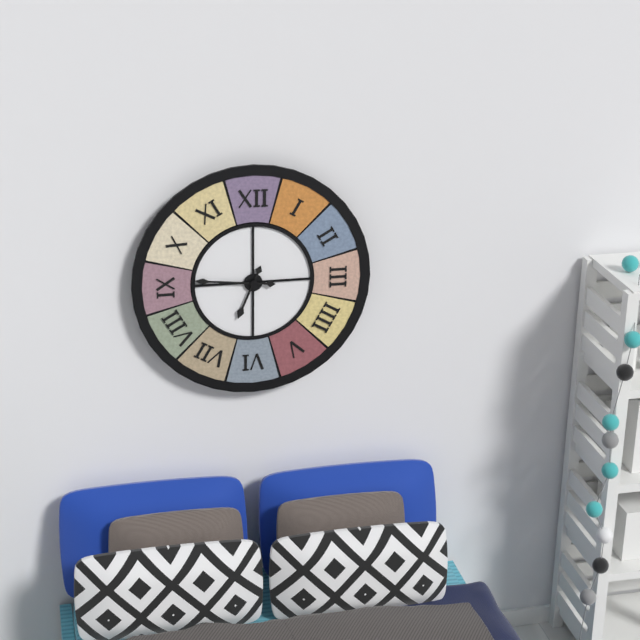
6 h 46 min
